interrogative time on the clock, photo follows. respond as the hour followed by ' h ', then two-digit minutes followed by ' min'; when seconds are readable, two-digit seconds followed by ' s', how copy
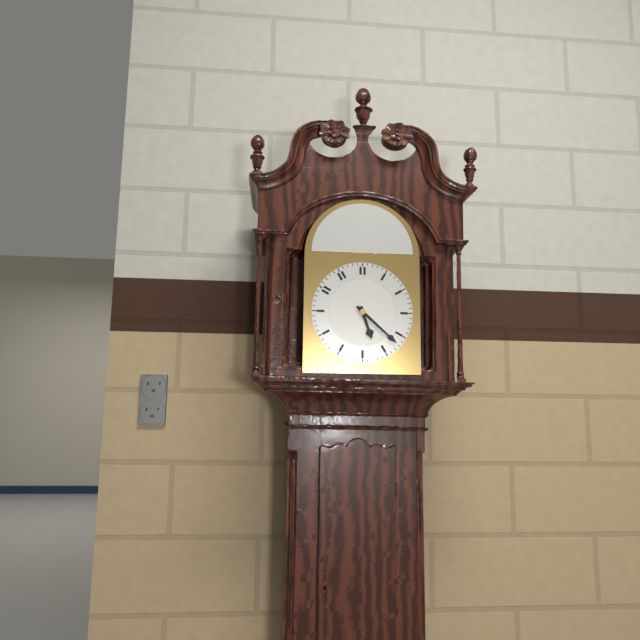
5 h 22 min
